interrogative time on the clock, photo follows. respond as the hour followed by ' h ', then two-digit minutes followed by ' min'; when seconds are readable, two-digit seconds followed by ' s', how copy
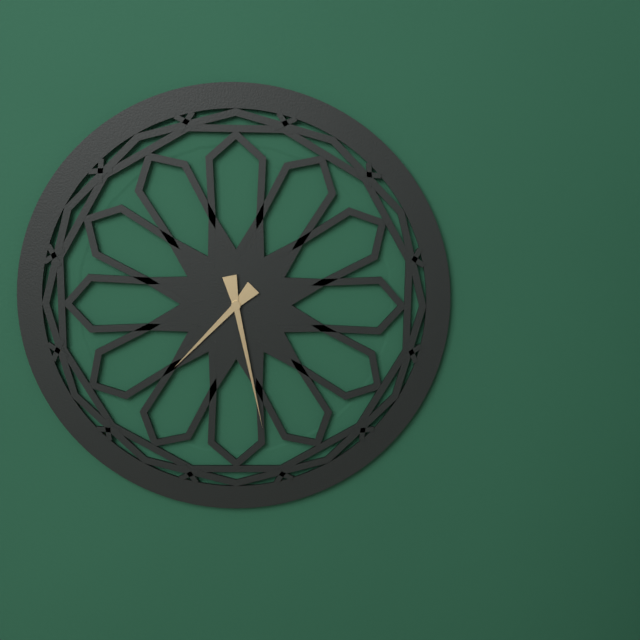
7 h 28 min
